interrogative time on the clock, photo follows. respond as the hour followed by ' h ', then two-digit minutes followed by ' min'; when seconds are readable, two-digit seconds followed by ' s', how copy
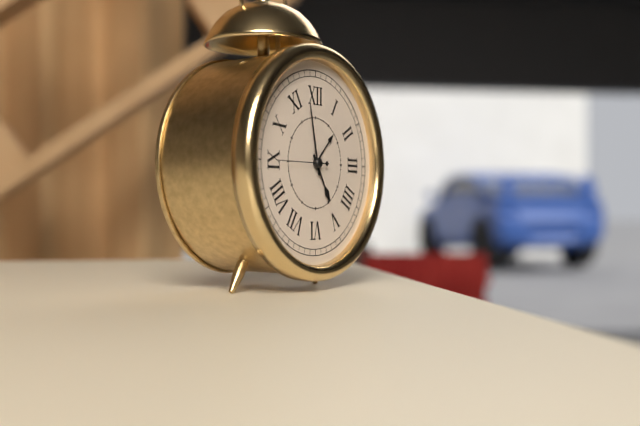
4 h 58 min 45 s
